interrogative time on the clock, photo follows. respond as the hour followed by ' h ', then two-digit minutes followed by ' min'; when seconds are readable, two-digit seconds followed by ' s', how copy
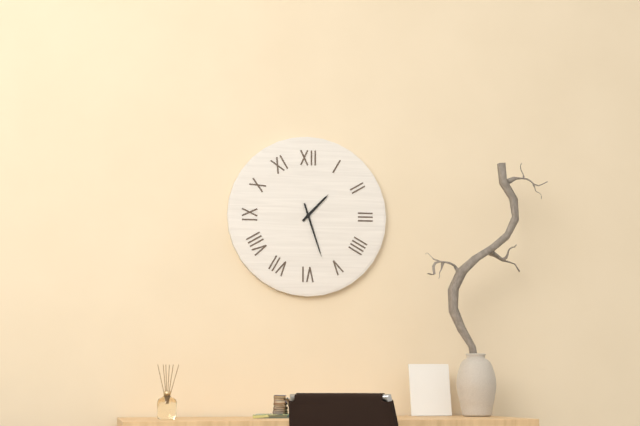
1 h 27 min
